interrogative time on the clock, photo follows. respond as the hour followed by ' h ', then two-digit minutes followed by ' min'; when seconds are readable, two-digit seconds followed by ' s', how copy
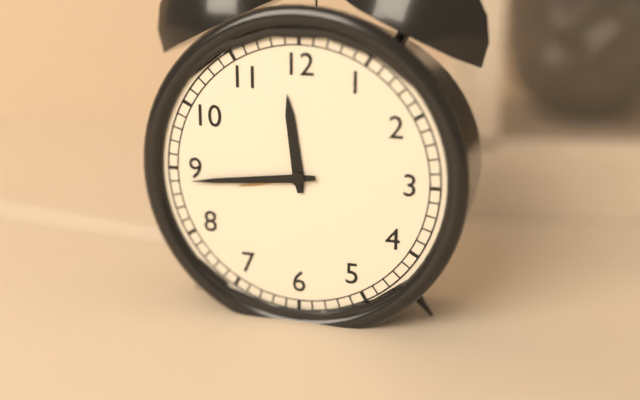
11 h 44 min
